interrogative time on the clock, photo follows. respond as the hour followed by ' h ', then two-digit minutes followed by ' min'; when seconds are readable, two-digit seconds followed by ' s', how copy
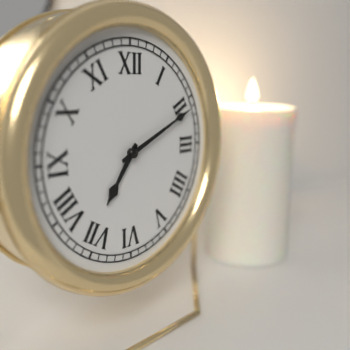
7 h 11 min
